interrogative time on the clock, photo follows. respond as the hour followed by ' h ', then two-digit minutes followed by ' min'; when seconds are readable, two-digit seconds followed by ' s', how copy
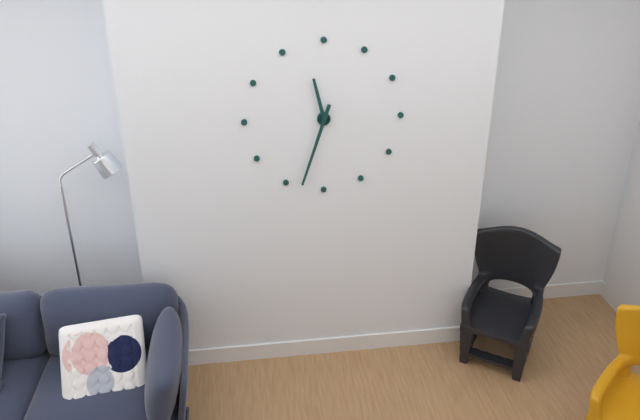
11 h 33 min
